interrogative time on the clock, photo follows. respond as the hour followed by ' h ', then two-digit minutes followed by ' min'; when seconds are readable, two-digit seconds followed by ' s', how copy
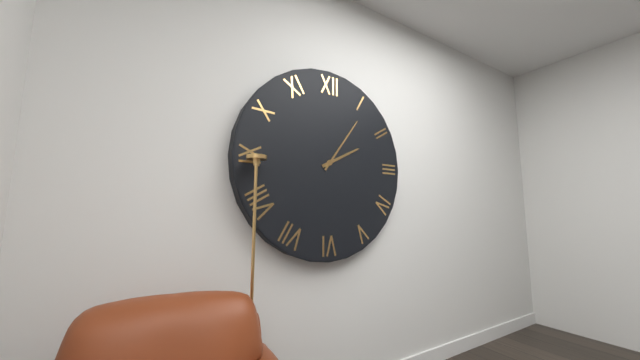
2 h 06 min
